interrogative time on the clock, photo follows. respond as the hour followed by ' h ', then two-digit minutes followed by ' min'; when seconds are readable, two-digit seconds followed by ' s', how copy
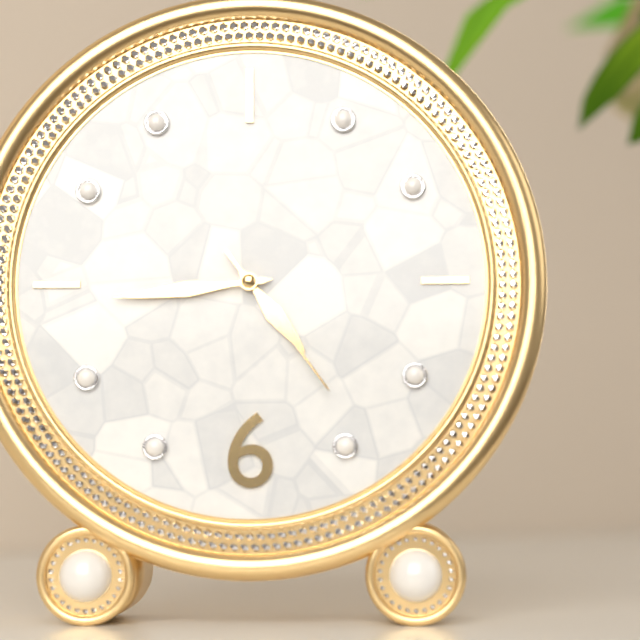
4 h 44 min 24 s
